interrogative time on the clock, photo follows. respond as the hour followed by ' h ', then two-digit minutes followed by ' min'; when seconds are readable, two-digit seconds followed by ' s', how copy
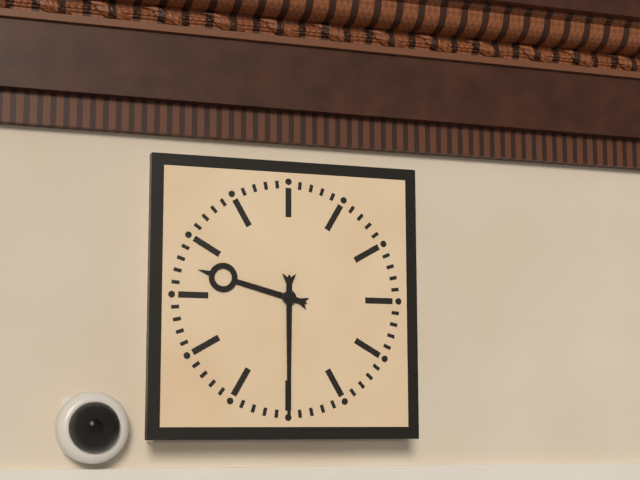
9 h 30 min
